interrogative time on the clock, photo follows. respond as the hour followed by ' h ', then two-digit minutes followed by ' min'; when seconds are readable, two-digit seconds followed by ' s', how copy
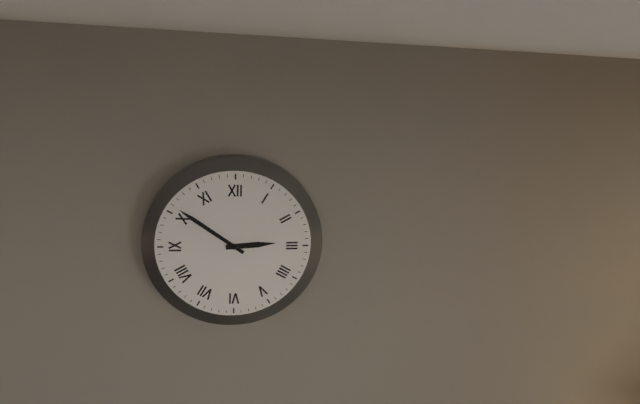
2 h 51 min
